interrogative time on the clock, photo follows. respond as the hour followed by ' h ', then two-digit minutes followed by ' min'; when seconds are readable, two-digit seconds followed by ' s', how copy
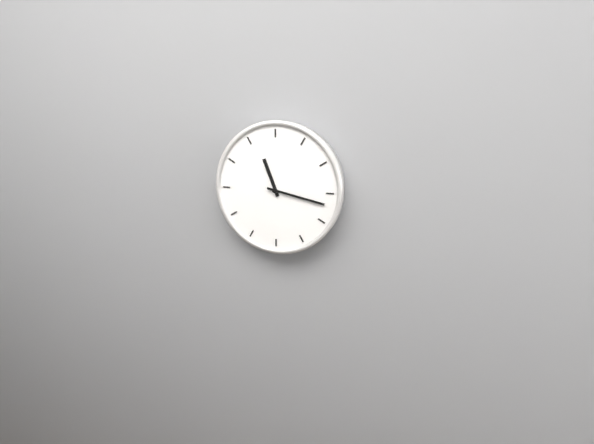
11 h 17 min
